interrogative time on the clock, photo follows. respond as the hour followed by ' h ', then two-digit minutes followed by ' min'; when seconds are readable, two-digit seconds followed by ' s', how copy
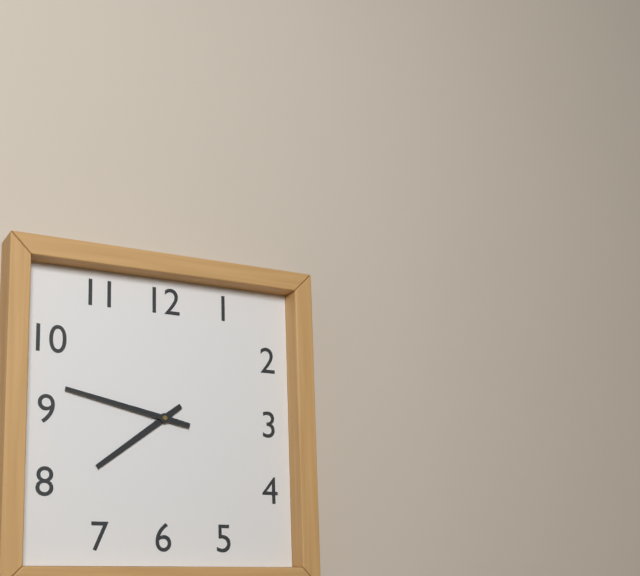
7 h 47 min
